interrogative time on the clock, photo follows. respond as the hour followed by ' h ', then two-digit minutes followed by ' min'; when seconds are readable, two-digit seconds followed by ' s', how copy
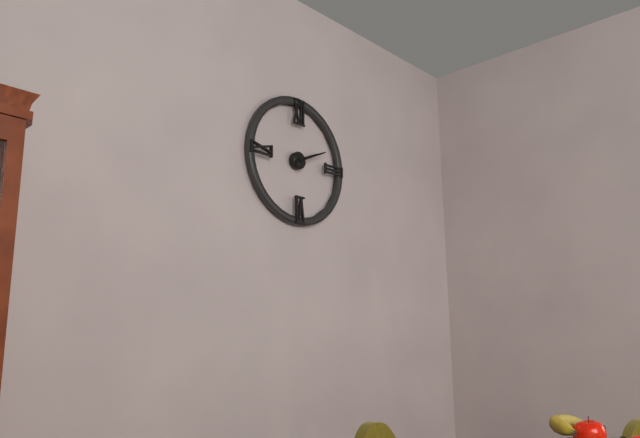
2 h 11 min
